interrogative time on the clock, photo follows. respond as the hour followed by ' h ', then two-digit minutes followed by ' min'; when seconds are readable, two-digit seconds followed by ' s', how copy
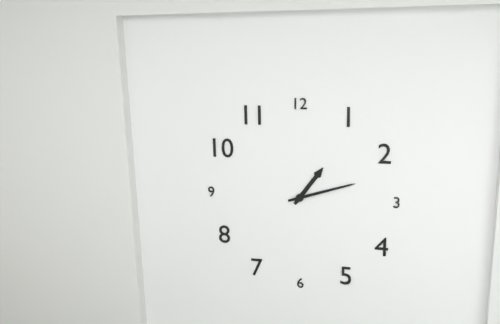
1 h 12 min
